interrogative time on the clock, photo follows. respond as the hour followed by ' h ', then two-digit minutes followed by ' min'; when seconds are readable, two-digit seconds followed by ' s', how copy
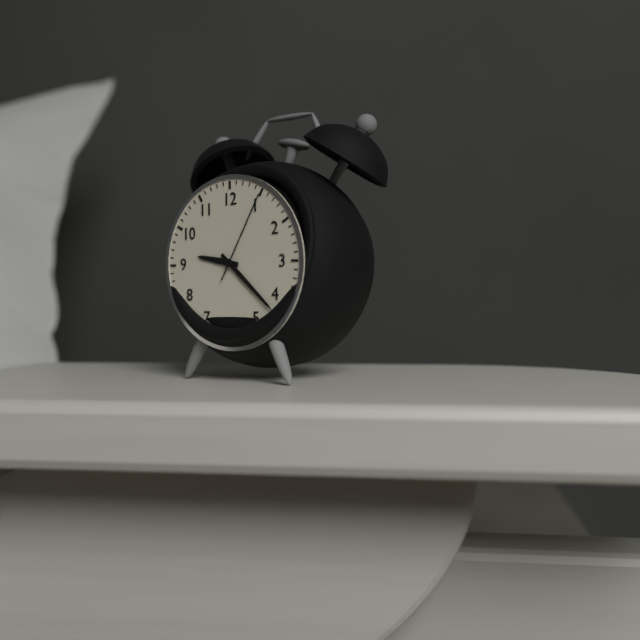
9 h 22 min 05 s
